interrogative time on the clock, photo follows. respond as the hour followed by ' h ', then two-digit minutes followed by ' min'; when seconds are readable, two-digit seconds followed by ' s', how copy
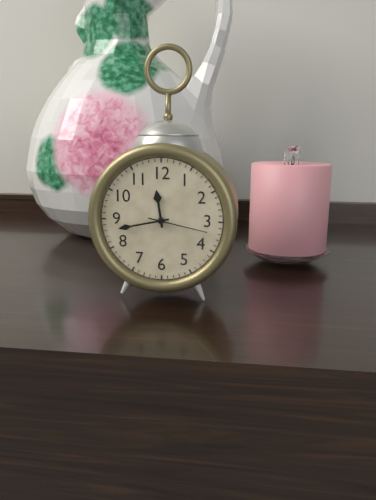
11 h 43 min 17 s
